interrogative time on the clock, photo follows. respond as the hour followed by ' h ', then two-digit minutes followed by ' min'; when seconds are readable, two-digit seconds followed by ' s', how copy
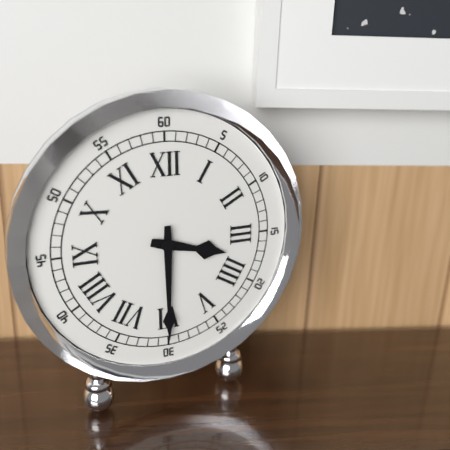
3 h 30 min
